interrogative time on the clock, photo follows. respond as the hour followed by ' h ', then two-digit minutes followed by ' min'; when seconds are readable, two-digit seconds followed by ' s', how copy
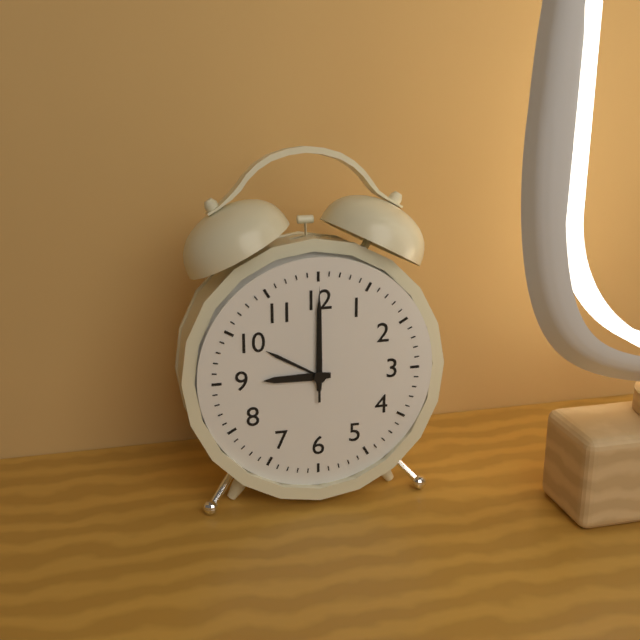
9 h 00 min 00 s
